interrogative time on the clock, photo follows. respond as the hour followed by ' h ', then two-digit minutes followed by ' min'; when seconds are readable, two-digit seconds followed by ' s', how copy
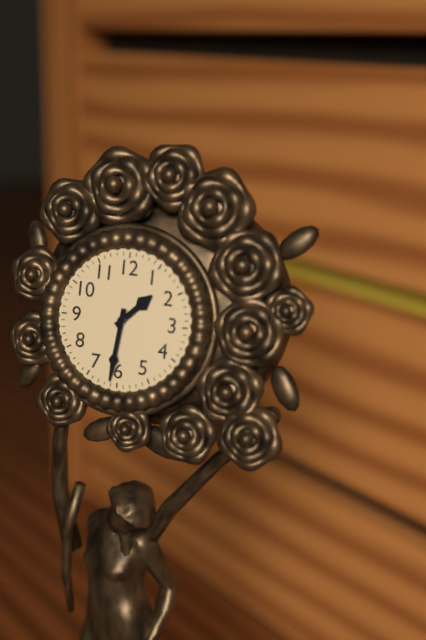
1 h 31 min
